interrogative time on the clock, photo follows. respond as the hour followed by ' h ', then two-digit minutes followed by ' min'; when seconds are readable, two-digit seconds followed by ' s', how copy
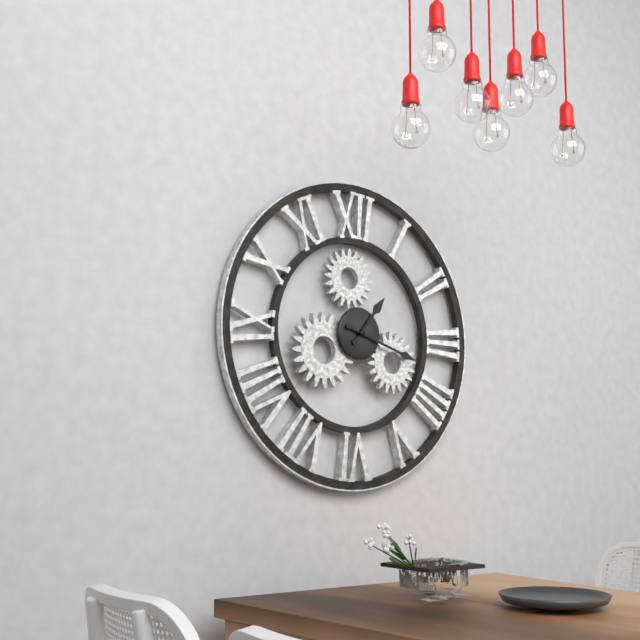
1 h 18 min
